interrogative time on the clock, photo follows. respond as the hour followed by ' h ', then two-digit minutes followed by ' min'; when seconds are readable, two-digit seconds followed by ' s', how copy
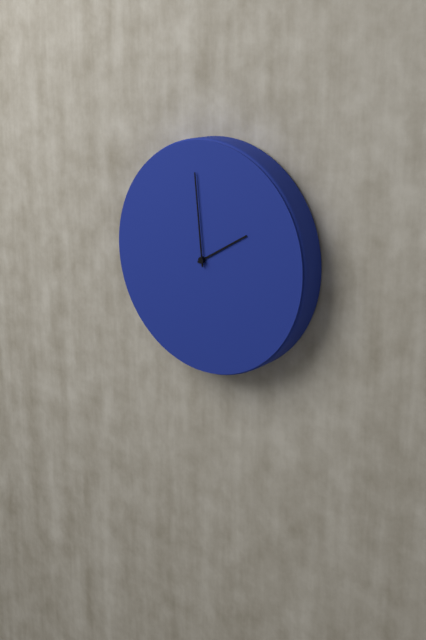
1 h 59 min
